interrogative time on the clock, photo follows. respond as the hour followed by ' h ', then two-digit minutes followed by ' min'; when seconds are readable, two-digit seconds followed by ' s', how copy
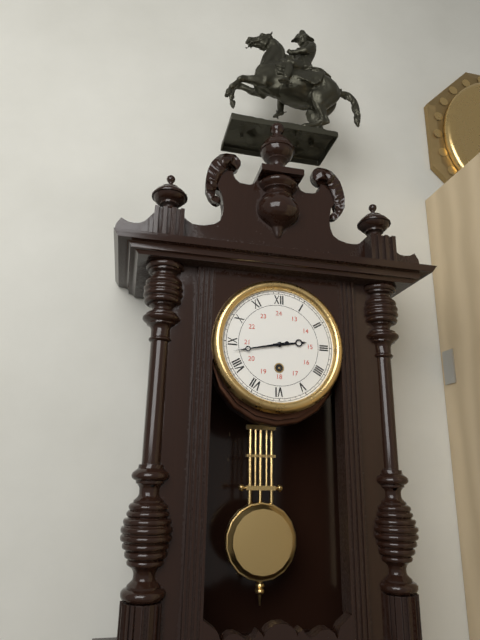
2 h 43 min
